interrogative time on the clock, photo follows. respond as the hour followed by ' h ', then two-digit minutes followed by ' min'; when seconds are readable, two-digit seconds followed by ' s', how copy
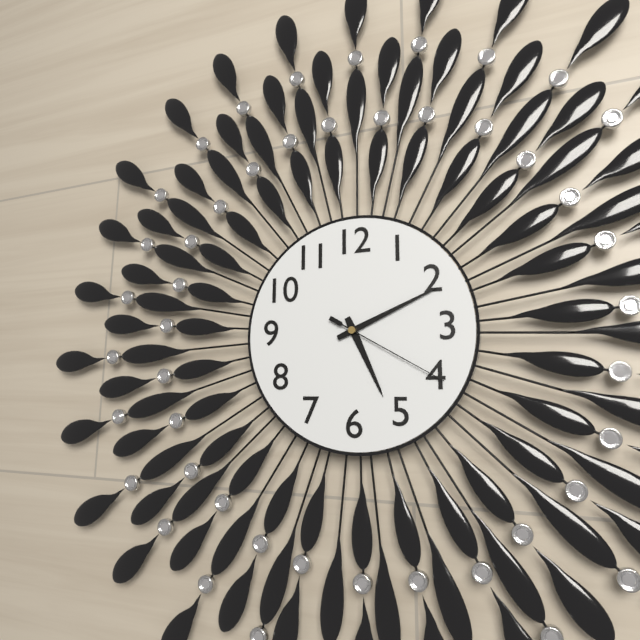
5 h 11 min 20 s
